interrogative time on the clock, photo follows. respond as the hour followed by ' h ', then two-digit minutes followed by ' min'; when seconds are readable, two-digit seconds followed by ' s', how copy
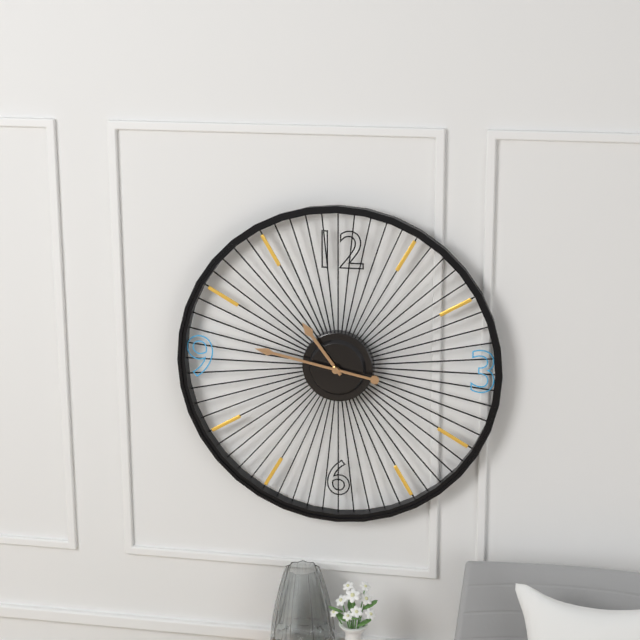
10 h 47 min
